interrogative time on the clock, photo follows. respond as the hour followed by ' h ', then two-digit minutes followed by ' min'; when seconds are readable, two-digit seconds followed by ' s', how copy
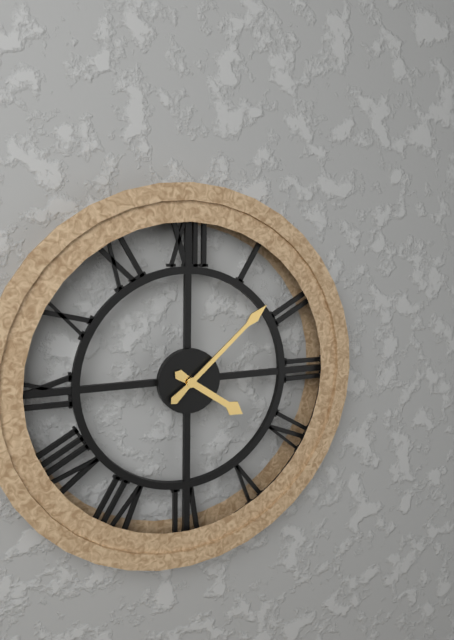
4 h 08 min
